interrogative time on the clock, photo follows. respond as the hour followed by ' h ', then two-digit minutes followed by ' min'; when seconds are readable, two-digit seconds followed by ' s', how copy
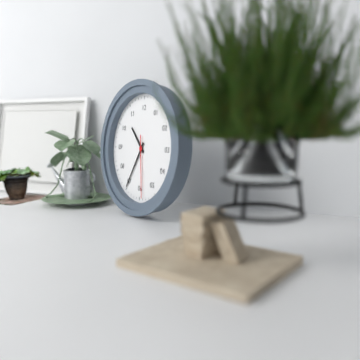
10 h 35 min 29 s
